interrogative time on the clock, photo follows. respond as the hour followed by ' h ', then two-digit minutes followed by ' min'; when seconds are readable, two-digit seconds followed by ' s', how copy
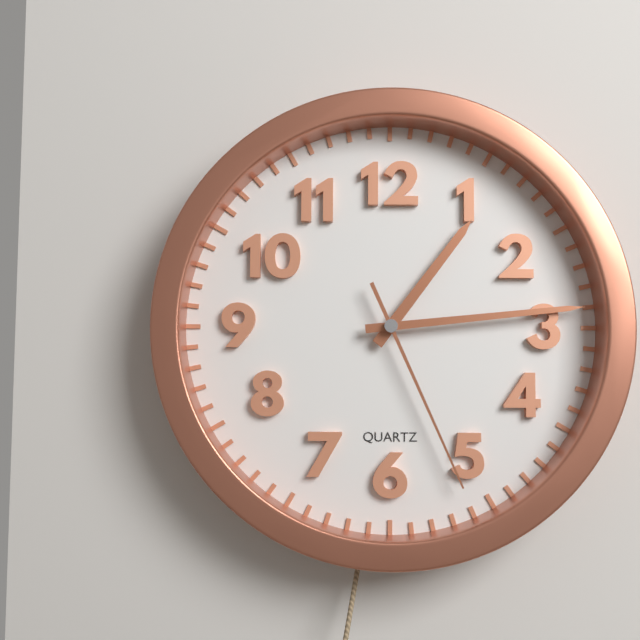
1 h 14 min 26 s
